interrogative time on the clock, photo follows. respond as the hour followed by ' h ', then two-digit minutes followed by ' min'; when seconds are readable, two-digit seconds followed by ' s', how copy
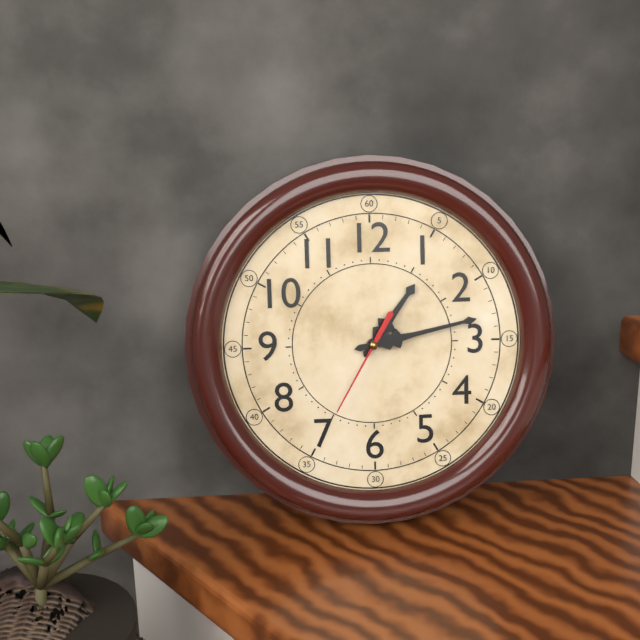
1 h 13 min 35 s
